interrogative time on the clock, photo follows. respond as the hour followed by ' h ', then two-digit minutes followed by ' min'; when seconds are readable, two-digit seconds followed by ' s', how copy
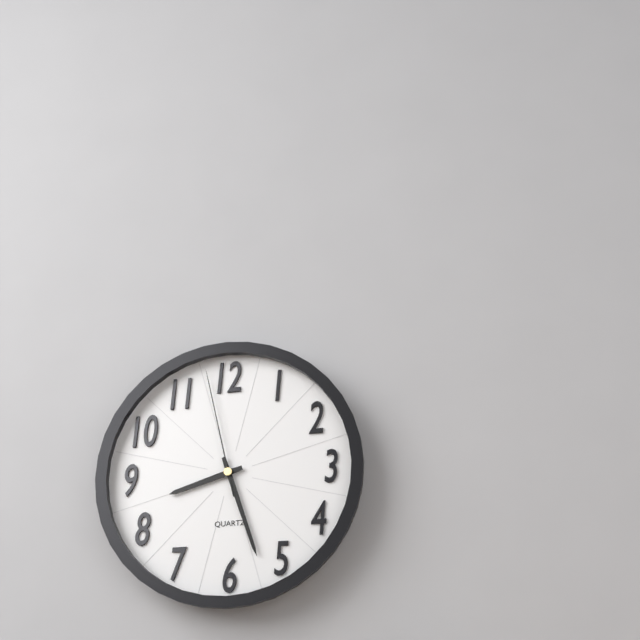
8 h 27 min 58 s
